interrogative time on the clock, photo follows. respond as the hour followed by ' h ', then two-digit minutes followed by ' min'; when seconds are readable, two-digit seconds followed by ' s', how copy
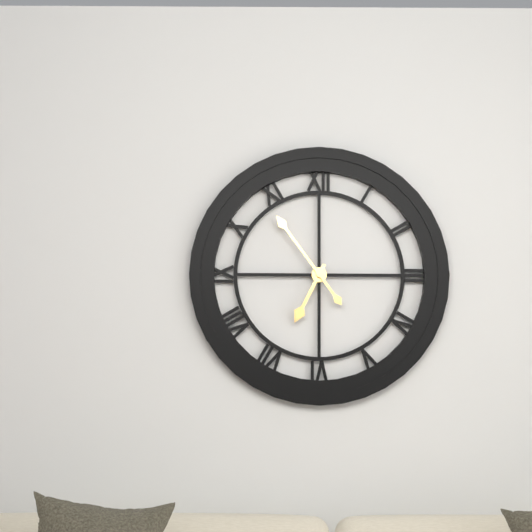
6 h 54 min
